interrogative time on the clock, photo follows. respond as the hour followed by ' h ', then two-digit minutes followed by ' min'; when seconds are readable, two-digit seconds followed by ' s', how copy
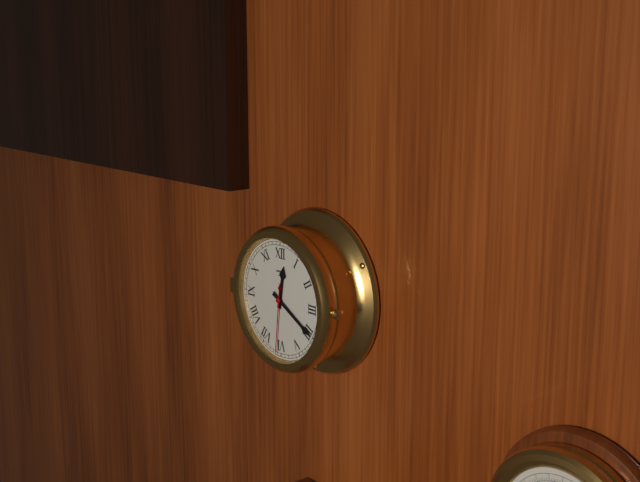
12 h 20 min 31 s
